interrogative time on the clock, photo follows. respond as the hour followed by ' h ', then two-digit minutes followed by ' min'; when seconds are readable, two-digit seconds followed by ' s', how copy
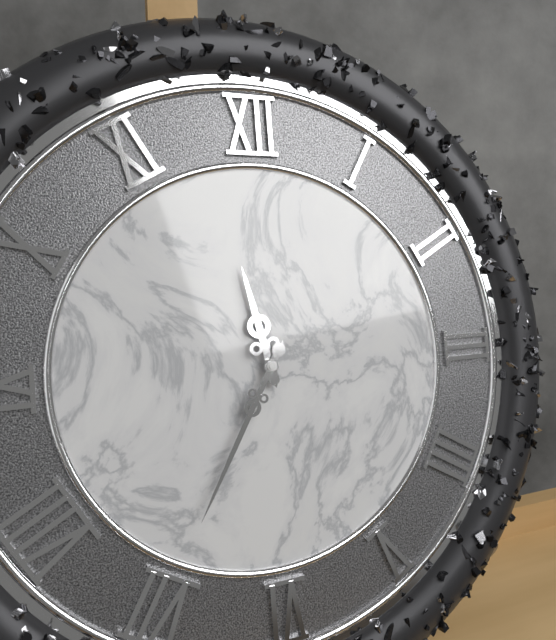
11 h 35 min
